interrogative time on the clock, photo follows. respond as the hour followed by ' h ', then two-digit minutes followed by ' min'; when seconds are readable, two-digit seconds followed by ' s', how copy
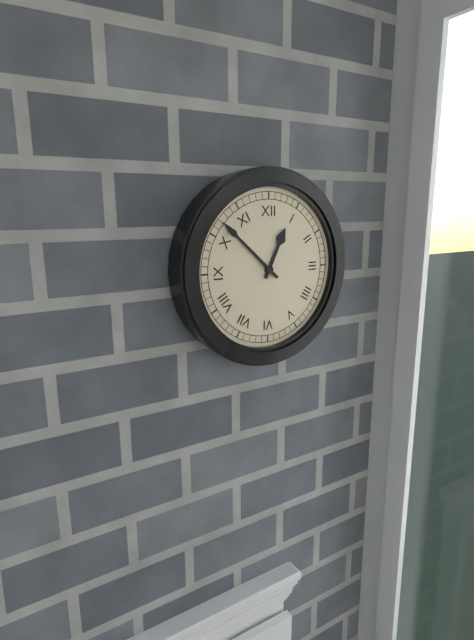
12 h 52 min
